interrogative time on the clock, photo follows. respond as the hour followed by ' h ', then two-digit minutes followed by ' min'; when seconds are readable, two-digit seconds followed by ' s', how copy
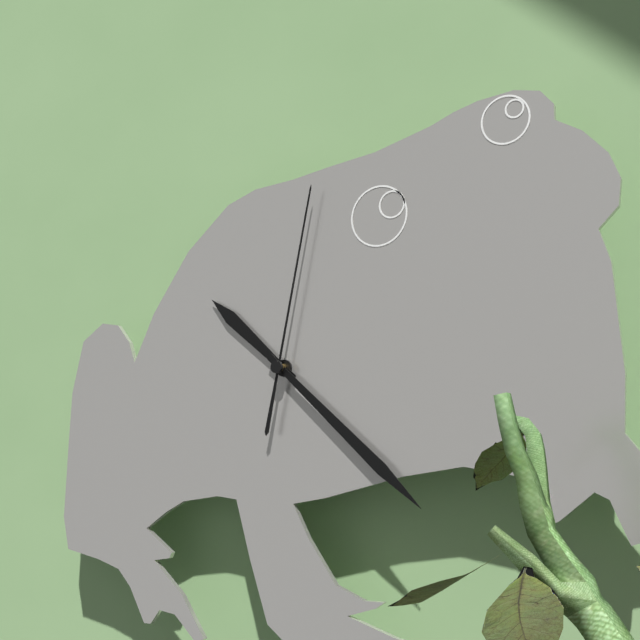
10 h 22 min 02 s
